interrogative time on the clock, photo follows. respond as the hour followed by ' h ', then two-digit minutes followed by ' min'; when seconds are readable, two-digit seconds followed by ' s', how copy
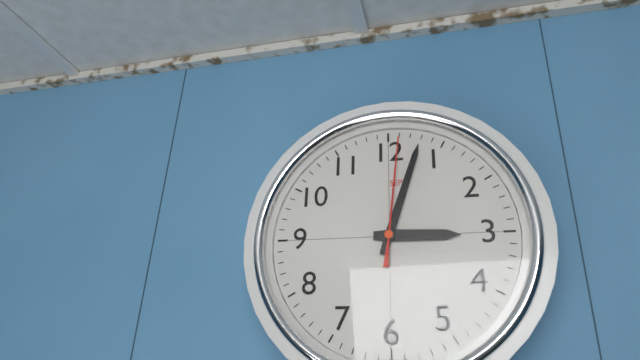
3 h 03 min 01 s
